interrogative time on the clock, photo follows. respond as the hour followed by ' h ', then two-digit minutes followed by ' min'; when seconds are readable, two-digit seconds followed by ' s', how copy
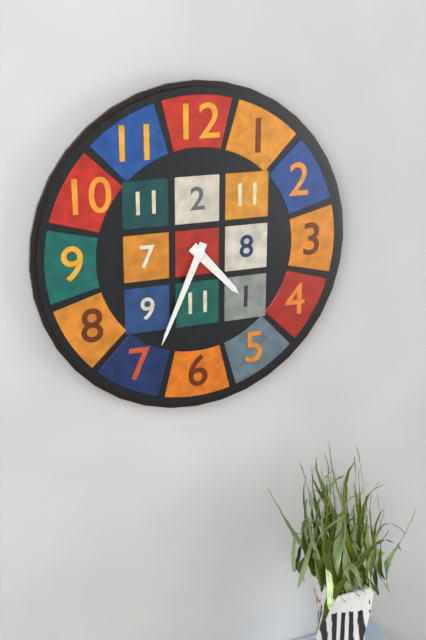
4 h 34 min
